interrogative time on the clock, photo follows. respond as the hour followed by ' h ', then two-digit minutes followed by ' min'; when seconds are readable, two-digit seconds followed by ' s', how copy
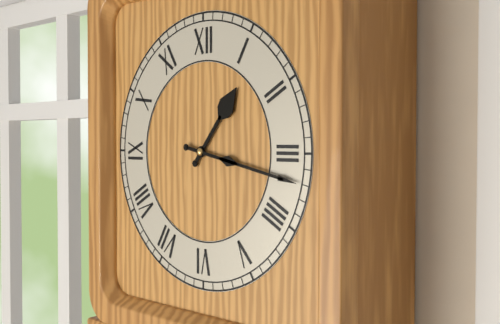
1 h 17 min
